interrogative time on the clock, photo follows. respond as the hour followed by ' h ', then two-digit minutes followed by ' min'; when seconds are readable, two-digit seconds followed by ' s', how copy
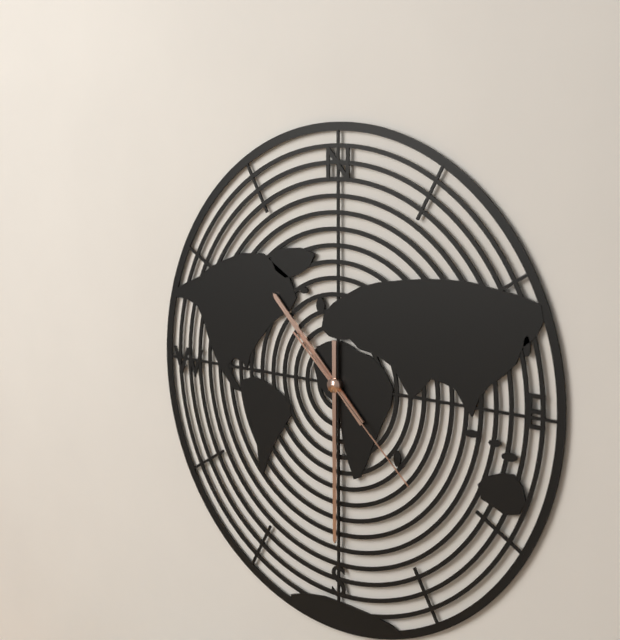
10 h 30 min 22 s
